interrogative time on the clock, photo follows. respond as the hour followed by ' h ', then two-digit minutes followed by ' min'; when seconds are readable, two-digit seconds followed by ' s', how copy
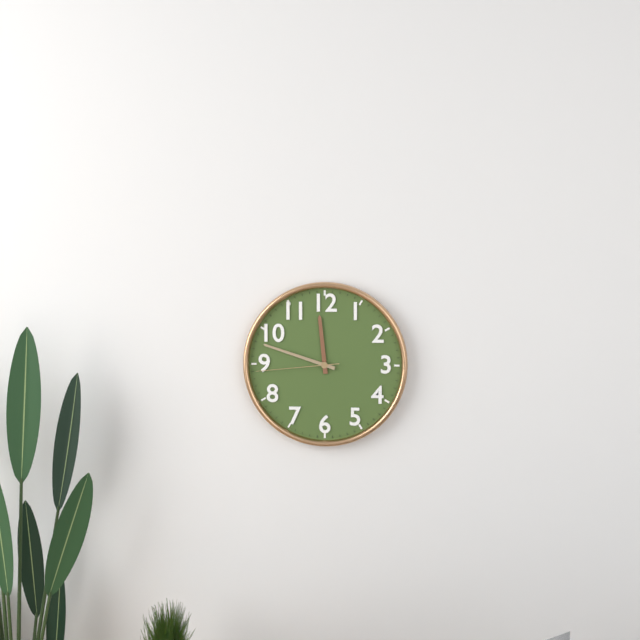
11 h 48 min 44 s
